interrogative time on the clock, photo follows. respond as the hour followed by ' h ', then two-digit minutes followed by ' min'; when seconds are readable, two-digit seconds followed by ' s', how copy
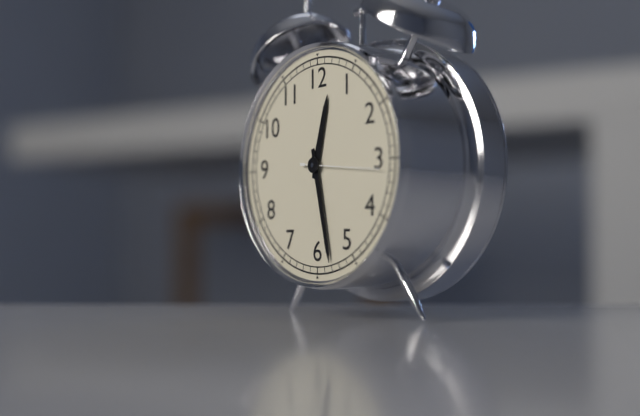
12 h 28 min 16 s
